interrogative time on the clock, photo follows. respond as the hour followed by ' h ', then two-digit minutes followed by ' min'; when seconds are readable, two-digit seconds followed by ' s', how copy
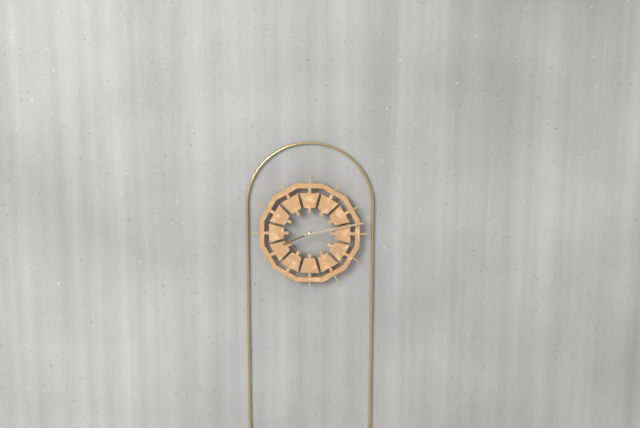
8 h 13 min
